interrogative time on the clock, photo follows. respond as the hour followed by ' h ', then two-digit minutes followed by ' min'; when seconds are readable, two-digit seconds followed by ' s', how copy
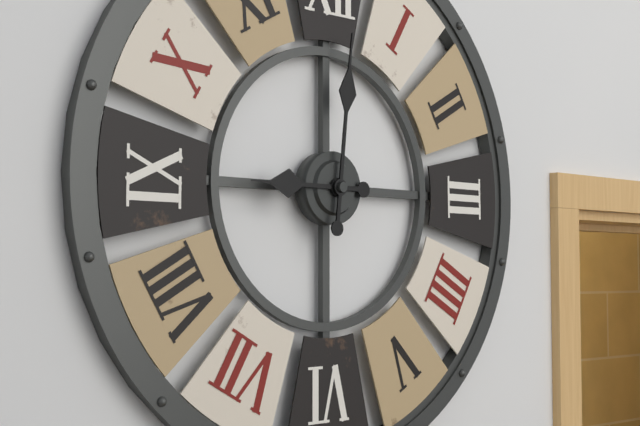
9 h 01 min
